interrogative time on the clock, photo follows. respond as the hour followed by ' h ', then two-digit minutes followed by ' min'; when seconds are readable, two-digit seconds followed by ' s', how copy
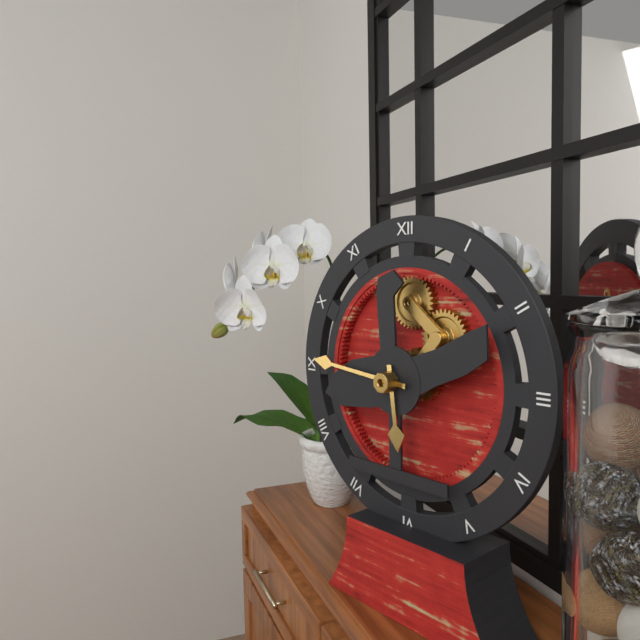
5 h 46 min
